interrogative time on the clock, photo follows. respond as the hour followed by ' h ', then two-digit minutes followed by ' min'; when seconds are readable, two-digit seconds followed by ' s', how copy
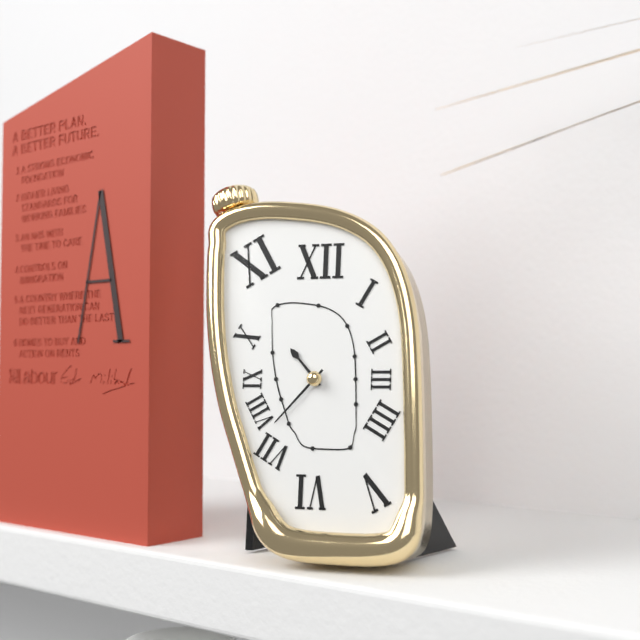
10 h 37 min
